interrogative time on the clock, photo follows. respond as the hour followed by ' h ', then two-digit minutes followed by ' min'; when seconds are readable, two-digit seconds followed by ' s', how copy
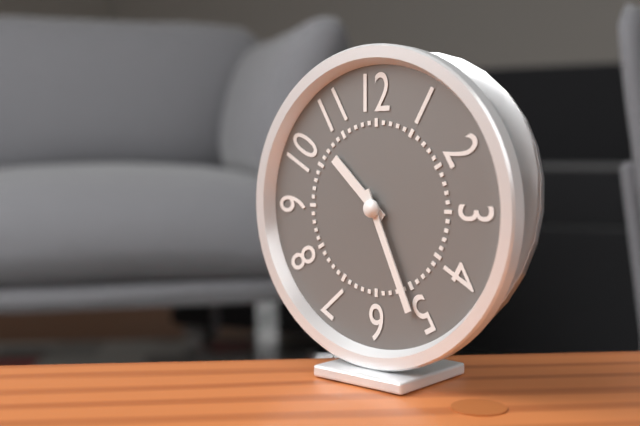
10 h 26 min
